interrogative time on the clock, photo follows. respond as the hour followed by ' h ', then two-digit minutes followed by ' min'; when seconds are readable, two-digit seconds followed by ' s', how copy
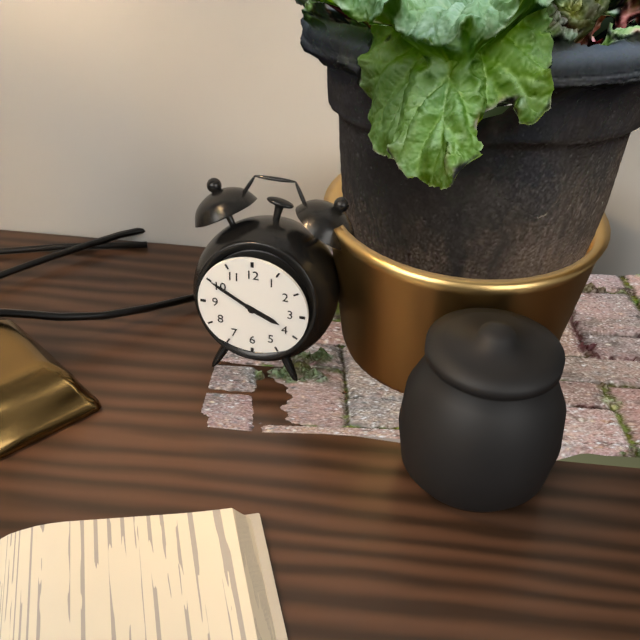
3 h 50 min
